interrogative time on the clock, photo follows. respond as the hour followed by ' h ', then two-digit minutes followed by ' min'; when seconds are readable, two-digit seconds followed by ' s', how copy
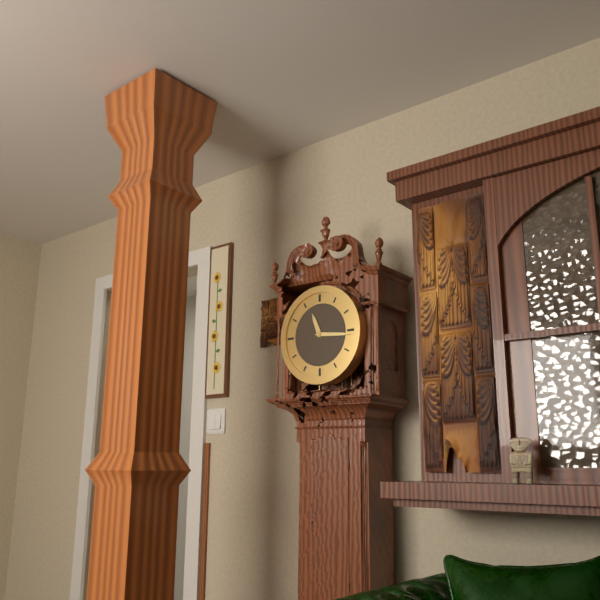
11 h 16 min
